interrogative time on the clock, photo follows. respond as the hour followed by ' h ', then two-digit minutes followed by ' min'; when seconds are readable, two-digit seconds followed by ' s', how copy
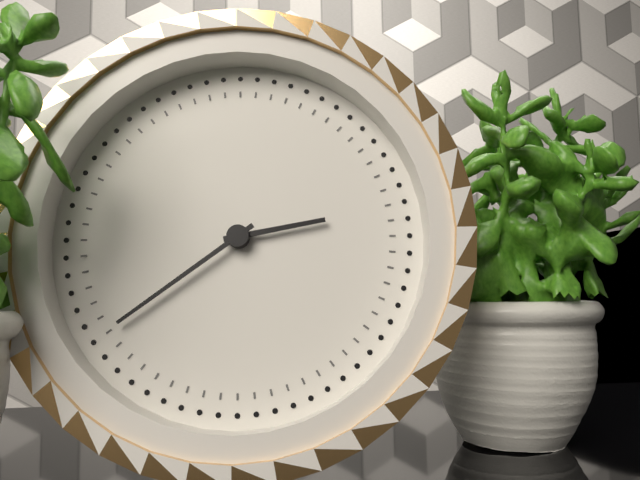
2 h 39 min
